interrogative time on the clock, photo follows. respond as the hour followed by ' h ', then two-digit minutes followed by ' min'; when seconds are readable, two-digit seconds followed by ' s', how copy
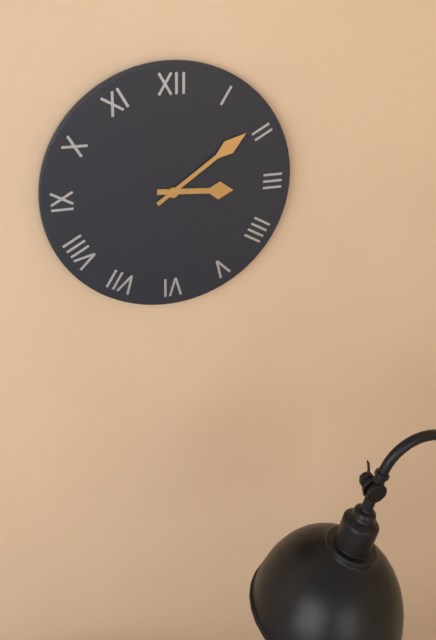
3 h 09 min
